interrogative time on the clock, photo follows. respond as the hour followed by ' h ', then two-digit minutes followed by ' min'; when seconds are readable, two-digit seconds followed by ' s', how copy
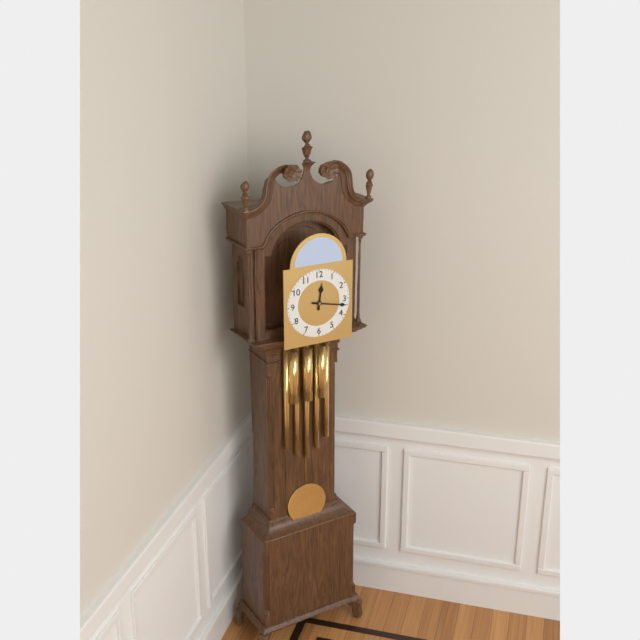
12 h 17 min
